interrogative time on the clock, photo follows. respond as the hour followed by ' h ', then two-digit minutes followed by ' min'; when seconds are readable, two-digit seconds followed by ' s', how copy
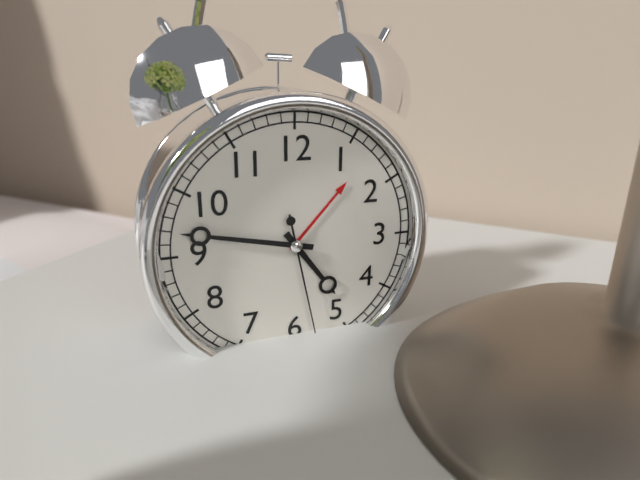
4 h 47 min 28 s
